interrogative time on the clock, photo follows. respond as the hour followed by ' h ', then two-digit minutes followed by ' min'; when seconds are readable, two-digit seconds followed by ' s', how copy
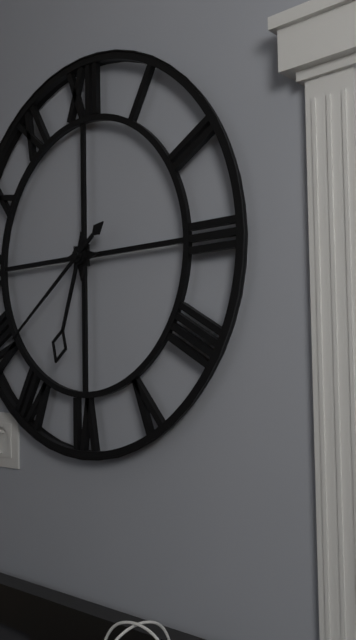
6 h 39 min
